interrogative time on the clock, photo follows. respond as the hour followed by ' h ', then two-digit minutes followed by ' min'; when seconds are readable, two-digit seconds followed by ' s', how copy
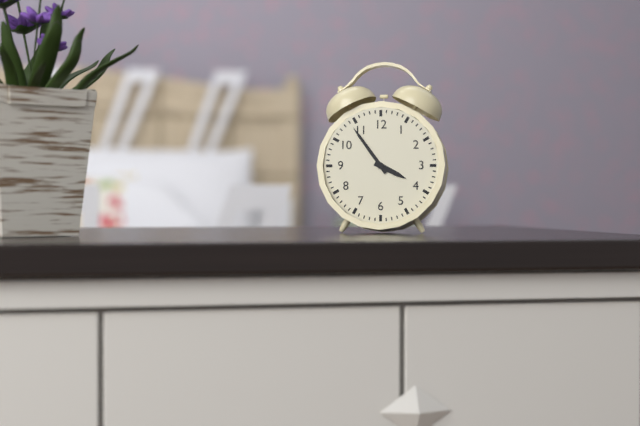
3 h 54 min
